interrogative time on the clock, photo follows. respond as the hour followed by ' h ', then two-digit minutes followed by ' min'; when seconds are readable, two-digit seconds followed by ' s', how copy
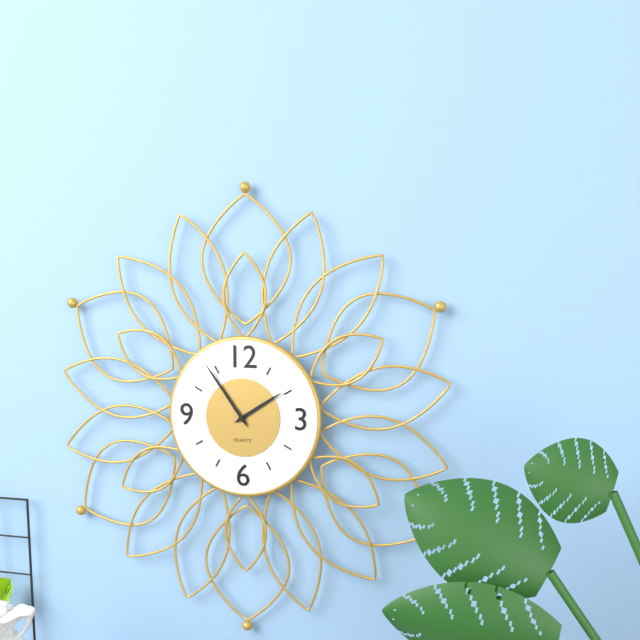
1 h 54 min
